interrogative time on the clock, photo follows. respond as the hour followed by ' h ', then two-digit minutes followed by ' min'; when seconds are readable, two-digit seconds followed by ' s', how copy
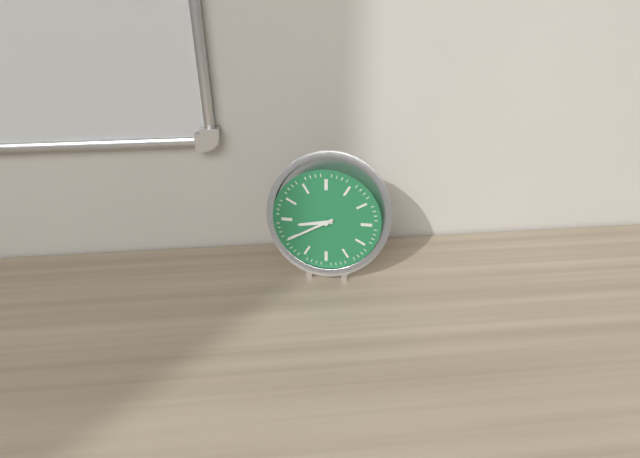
8 h 40 min
